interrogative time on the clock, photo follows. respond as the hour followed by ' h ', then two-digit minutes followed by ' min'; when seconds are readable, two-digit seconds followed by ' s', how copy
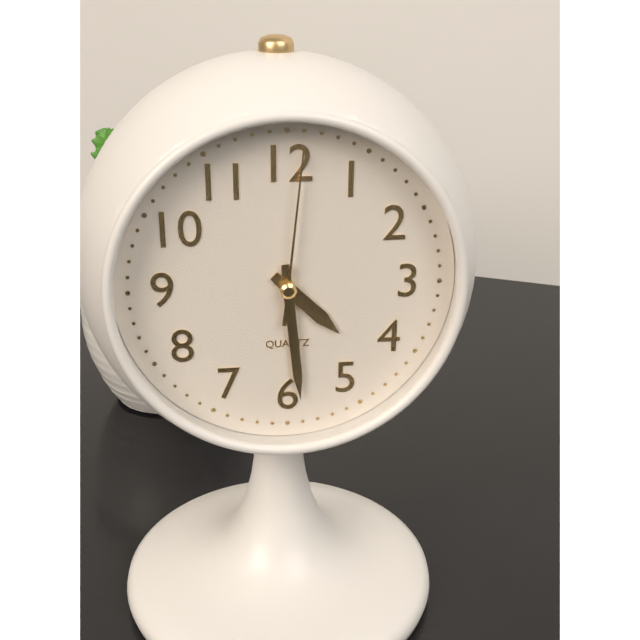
4 h 29 min 01 s
